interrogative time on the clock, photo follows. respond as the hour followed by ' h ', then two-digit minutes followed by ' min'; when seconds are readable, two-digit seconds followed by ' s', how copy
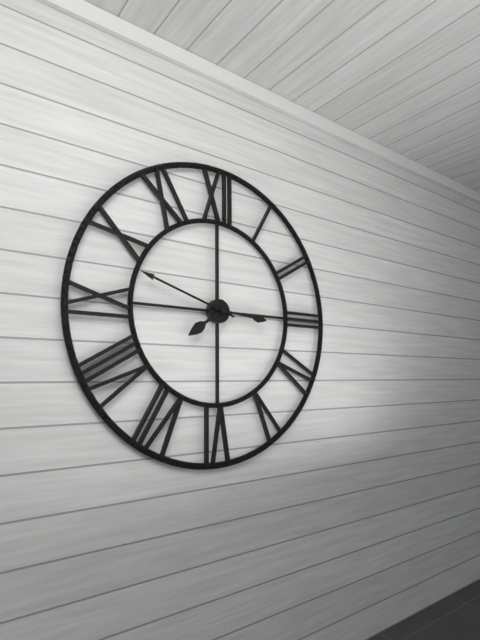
7 h 48 min 16 s
